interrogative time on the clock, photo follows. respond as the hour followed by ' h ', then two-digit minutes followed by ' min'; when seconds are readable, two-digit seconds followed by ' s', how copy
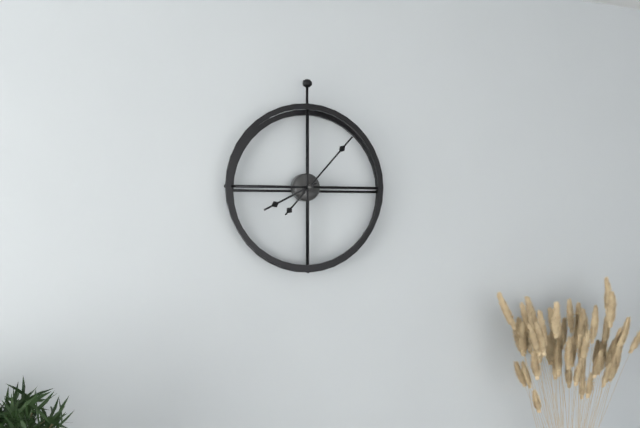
8 h 07 min
